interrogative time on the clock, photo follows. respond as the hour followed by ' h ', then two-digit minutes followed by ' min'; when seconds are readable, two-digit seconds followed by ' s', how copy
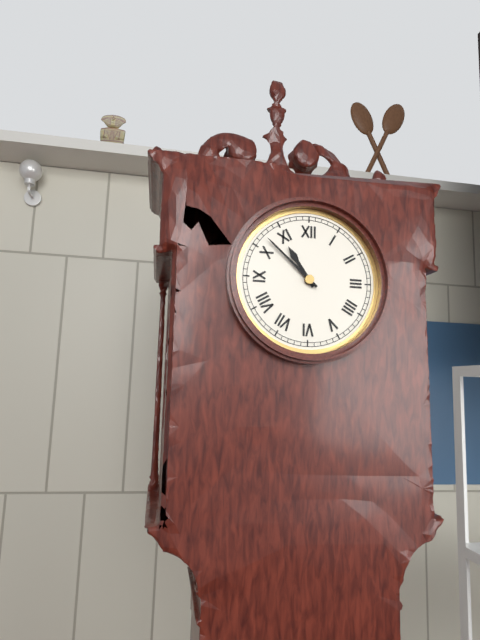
10 h 52 min
